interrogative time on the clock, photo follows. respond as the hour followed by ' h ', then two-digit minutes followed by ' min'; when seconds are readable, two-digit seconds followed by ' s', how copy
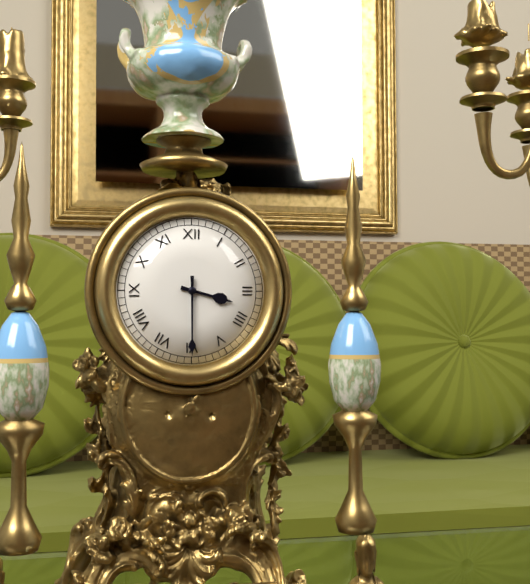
3 h 30 min
